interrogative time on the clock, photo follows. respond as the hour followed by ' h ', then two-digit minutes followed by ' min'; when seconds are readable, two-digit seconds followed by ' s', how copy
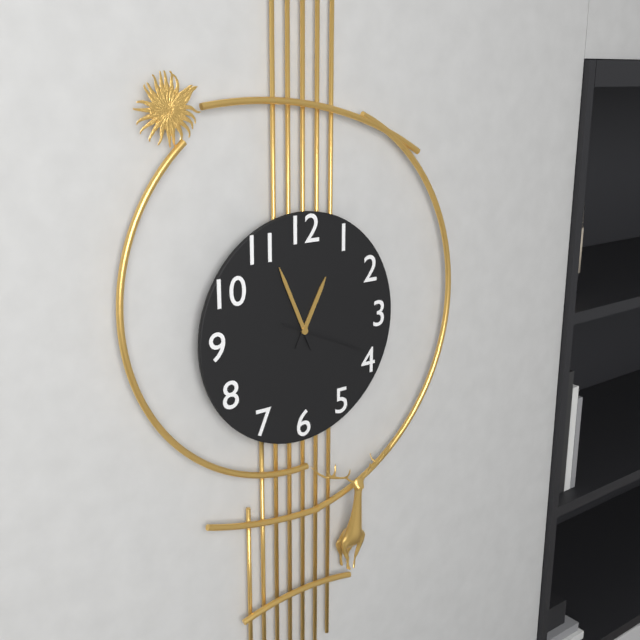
12 h 56 min 19 s
